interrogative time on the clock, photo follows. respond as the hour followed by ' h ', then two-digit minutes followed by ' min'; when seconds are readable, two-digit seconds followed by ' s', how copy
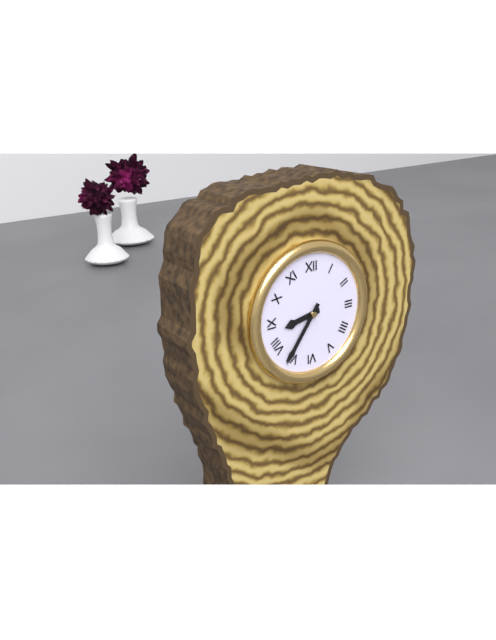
8 h 36 min
